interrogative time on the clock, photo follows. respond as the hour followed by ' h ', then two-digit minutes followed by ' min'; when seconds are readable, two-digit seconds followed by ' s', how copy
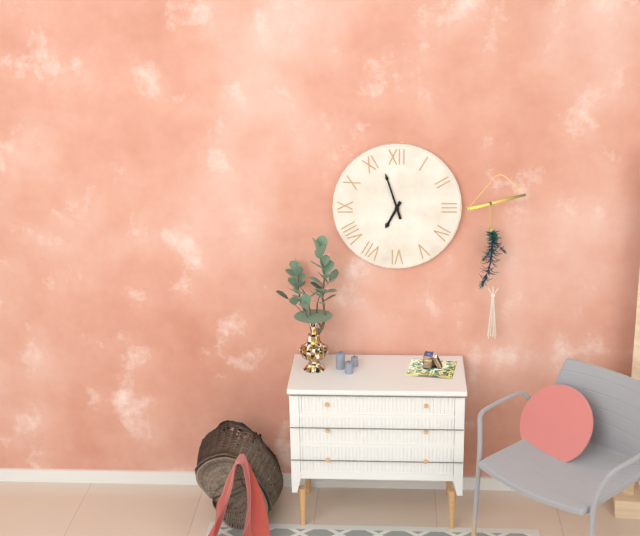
6 h 57 min
